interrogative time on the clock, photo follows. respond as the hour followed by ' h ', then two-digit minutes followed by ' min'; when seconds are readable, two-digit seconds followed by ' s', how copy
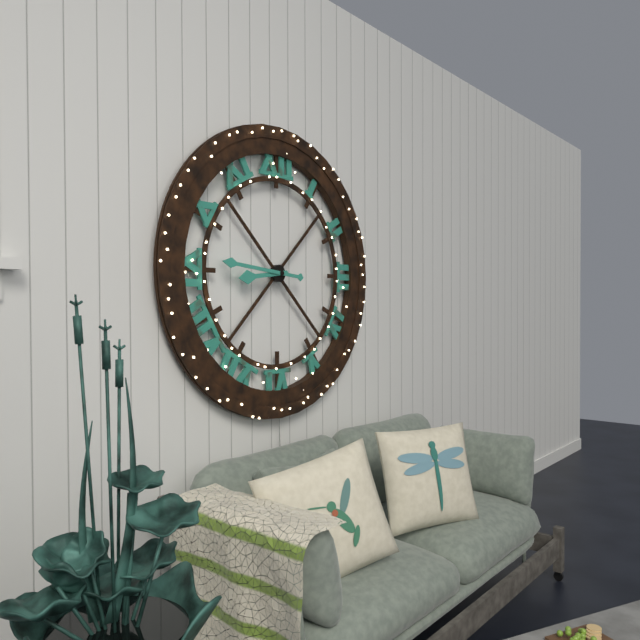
8 h 46 min
